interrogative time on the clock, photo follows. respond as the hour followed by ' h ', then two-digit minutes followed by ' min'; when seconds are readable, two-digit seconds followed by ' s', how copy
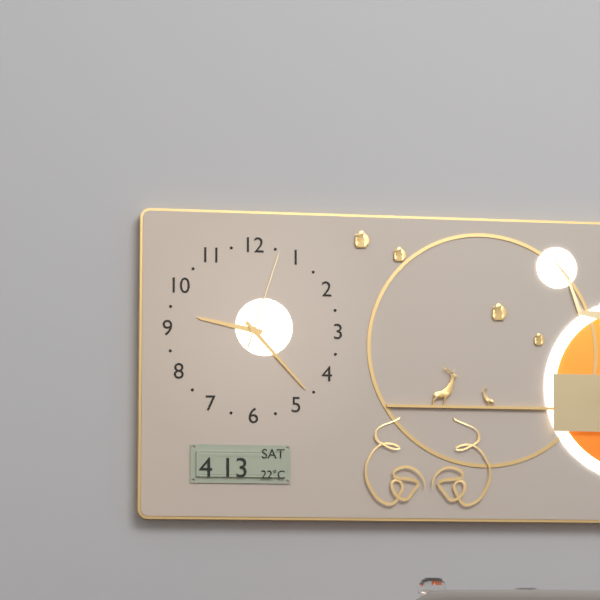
9 h 23 min 03 s
